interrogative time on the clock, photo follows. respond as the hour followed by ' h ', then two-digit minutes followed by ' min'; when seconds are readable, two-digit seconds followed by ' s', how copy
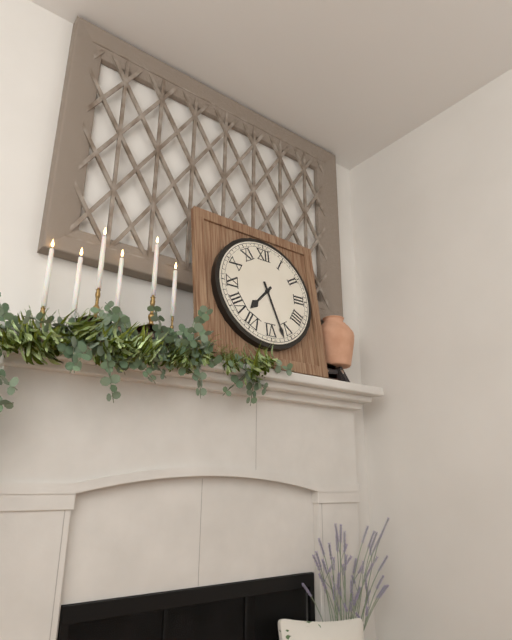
7 h 27 min
